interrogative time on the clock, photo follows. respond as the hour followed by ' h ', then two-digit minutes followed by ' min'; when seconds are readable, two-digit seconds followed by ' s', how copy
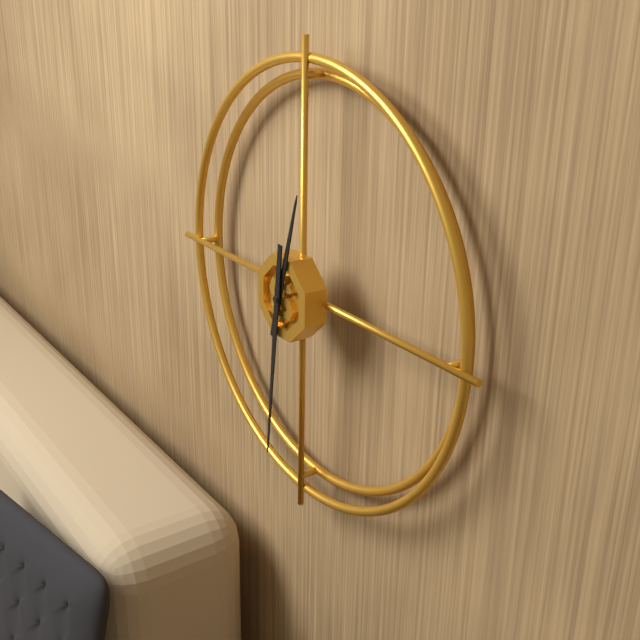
12 h 31 min
